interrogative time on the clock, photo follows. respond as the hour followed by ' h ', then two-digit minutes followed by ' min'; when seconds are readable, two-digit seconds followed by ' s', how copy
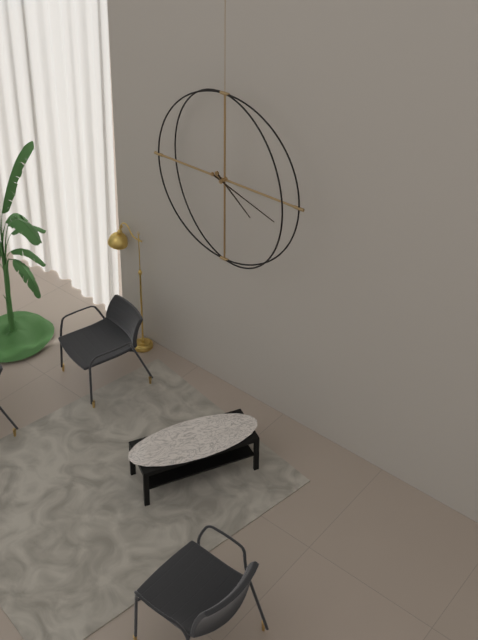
4 h 18 min
